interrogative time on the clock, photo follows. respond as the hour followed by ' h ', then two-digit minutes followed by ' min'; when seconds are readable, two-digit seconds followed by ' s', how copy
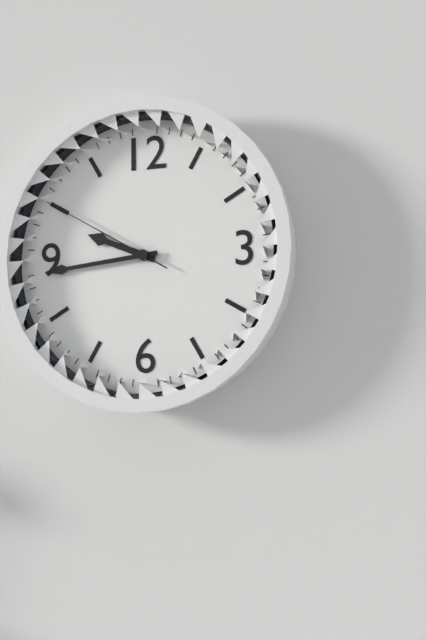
9 h 44 min 50 s
